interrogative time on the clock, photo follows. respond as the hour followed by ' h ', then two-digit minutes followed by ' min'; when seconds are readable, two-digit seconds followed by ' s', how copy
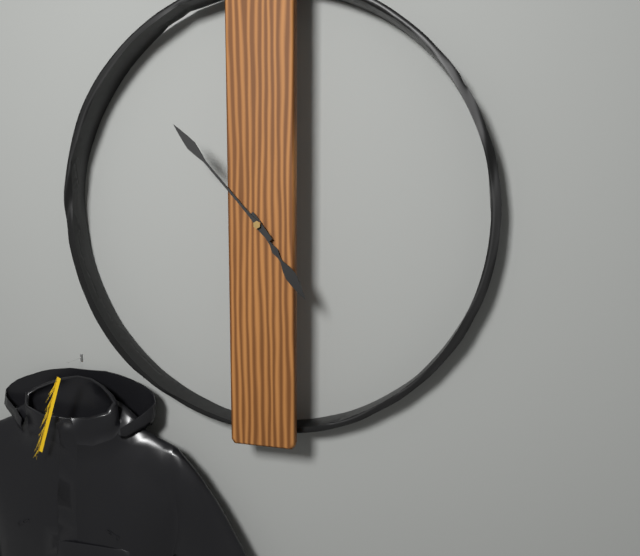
4 h 53 min
